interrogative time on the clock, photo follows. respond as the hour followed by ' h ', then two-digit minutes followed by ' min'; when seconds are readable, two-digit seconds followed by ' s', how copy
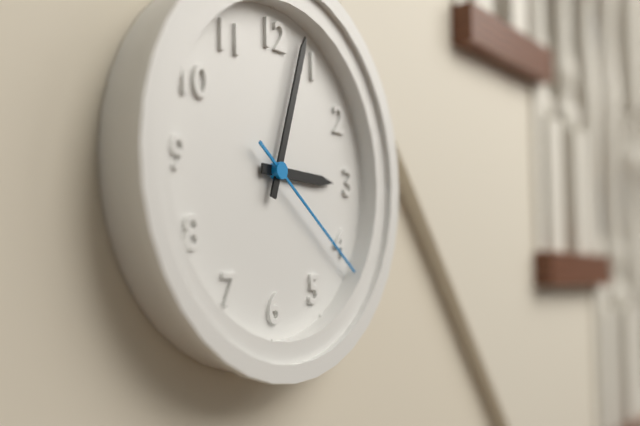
3 h 03 min 21 s
